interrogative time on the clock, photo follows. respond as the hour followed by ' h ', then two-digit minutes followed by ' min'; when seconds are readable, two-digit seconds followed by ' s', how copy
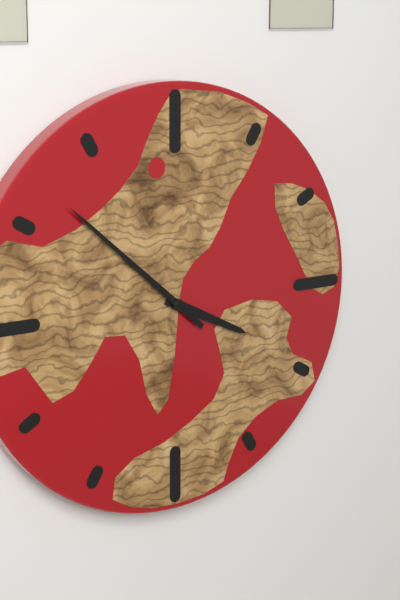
3 h 52 min
